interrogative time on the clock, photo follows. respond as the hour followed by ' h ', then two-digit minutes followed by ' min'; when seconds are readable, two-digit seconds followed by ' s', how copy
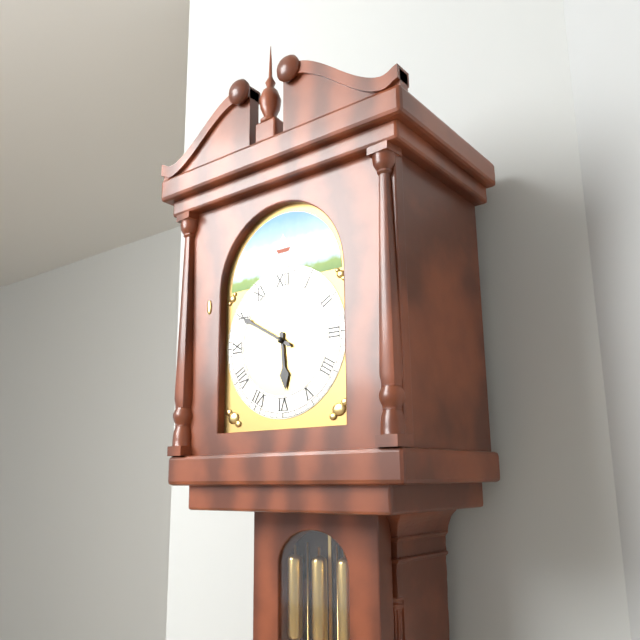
5 h 50 min
